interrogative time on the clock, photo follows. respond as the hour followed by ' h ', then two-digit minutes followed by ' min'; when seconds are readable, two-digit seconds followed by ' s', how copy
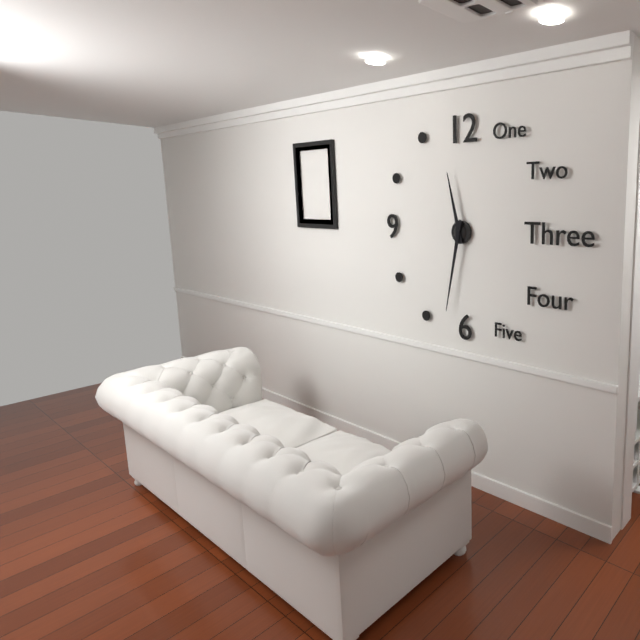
11 h 32 min
